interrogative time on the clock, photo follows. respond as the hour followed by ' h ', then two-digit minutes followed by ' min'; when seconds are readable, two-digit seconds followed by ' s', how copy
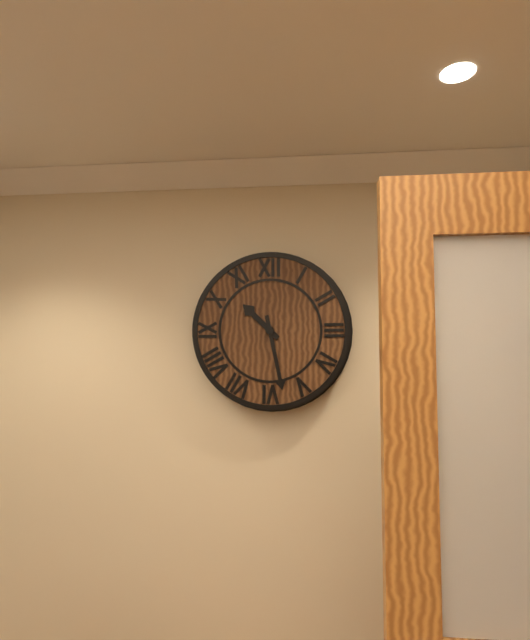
10 h 28 min
